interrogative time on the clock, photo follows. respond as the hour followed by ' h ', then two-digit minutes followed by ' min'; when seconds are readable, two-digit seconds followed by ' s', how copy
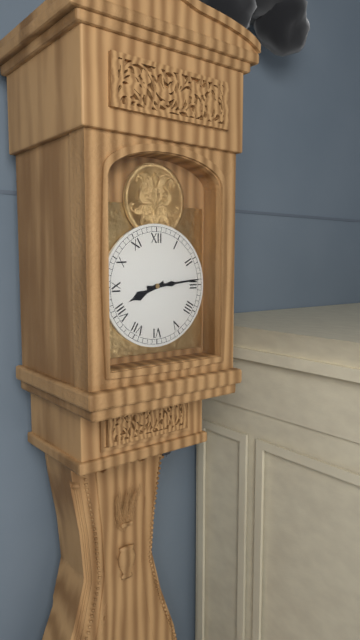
8 h 14 min
